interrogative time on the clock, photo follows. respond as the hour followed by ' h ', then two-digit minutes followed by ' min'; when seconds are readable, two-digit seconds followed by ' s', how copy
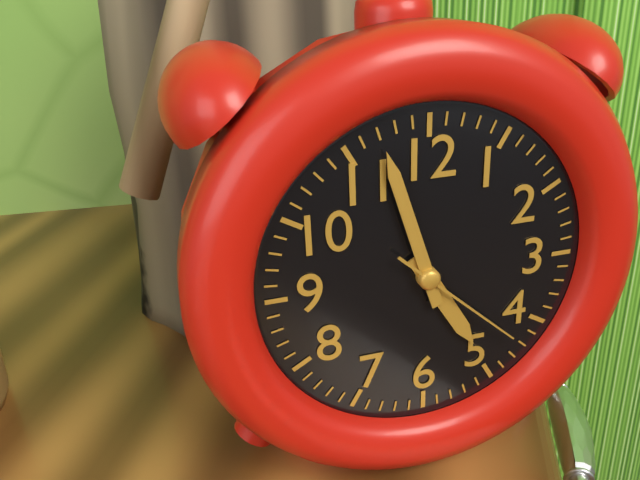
4 h 57 min 22 s
